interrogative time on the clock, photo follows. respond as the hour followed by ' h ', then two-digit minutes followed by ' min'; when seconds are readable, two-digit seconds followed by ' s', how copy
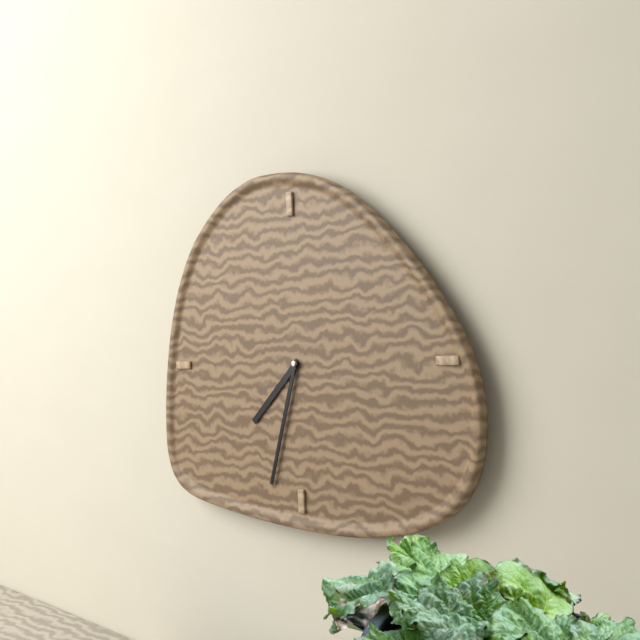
7 h 33 min
